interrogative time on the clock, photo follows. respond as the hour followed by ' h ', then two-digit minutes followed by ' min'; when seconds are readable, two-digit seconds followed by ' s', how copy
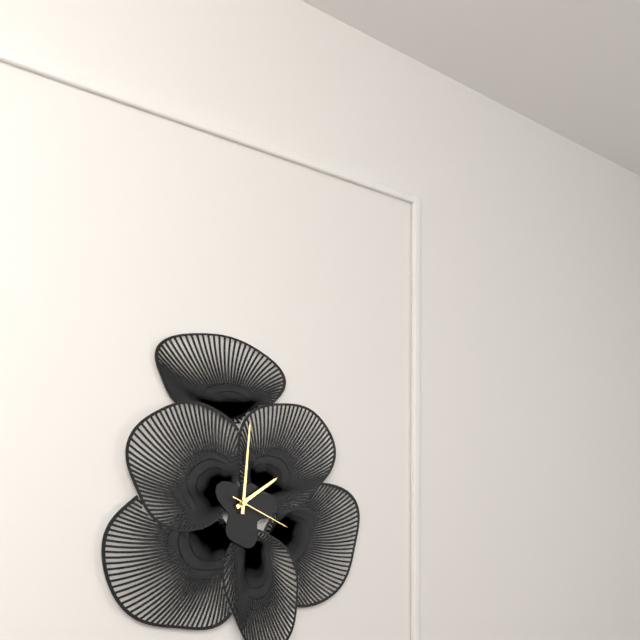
2 h 01 min 19 s
